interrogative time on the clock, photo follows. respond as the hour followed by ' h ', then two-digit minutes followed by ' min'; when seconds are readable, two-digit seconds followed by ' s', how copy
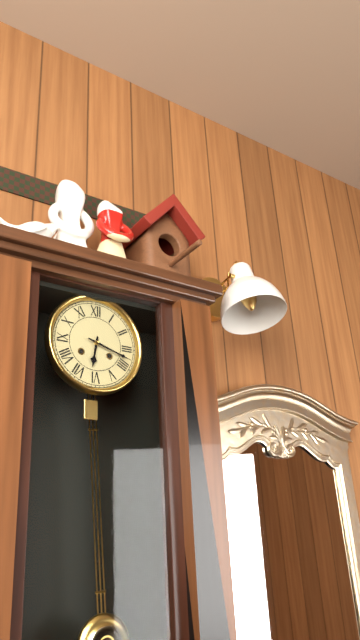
6 h 18 min
